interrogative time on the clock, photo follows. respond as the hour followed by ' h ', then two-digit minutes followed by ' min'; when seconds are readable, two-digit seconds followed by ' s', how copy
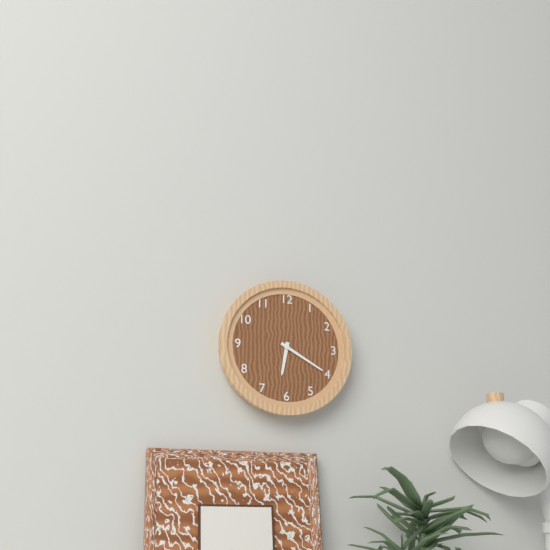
6 h 20 min
